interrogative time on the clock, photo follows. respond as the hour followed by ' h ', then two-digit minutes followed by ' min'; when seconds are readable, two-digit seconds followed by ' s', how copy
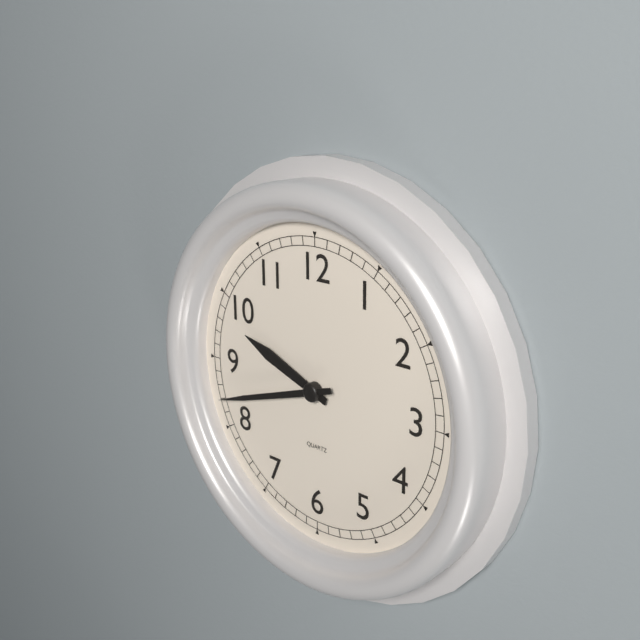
9 h 42 min
